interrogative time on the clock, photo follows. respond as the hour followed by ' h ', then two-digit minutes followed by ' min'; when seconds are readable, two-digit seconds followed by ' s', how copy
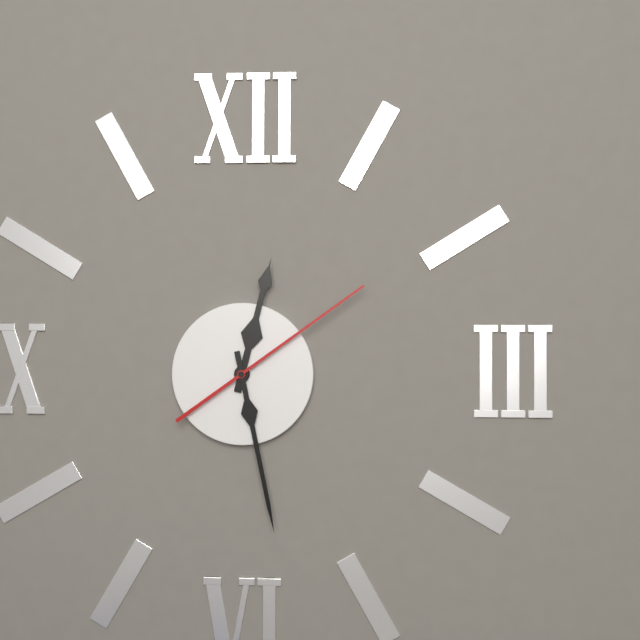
12 h 28 min 09 s
